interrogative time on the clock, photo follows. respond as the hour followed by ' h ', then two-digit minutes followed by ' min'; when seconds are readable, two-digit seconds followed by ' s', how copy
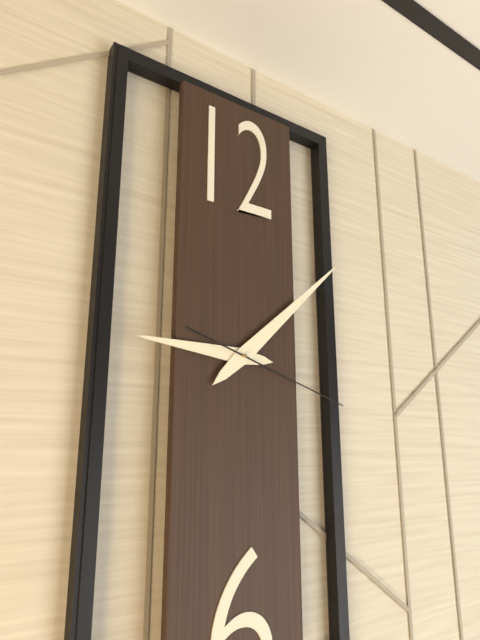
9 h 08 min 18 s
